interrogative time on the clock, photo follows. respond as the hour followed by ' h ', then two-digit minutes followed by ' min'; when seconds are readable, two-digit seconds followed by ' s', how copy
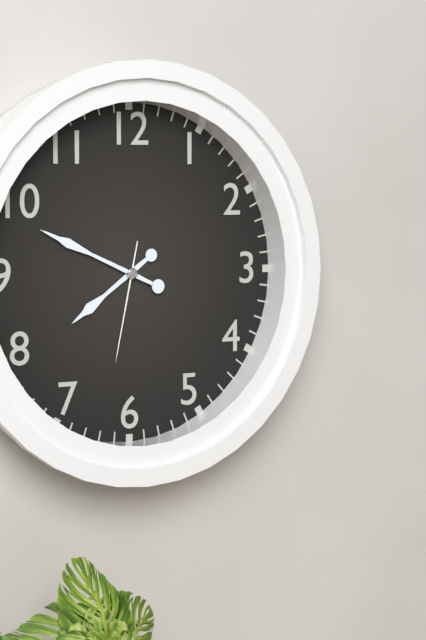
7 h 49 min 32 s
